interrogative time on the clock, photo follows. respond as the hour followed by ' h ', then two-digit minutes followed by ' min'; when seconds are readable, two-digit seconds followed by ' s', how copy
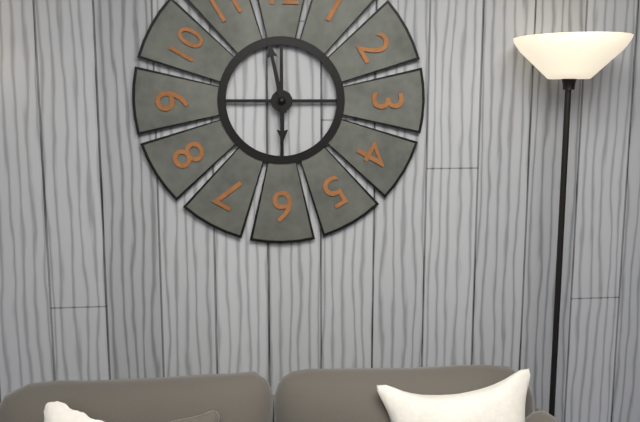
5 h 58 min
